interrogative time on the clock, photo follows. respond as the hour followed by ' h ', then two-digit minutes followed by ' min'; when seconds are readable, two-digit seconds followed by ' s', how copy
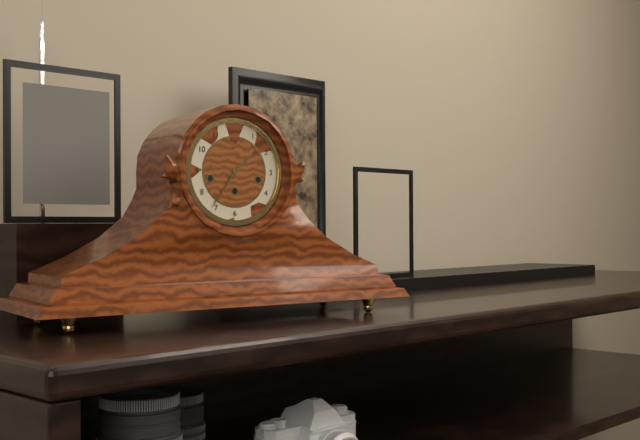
1 h 36 min
